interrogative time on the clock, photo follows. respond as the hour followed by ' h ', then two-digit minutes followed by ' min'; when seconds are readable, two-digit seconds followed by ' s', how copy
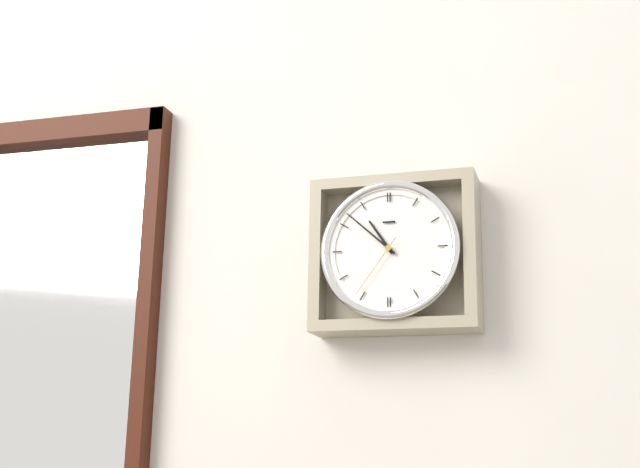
10 h 52 min 36 s
